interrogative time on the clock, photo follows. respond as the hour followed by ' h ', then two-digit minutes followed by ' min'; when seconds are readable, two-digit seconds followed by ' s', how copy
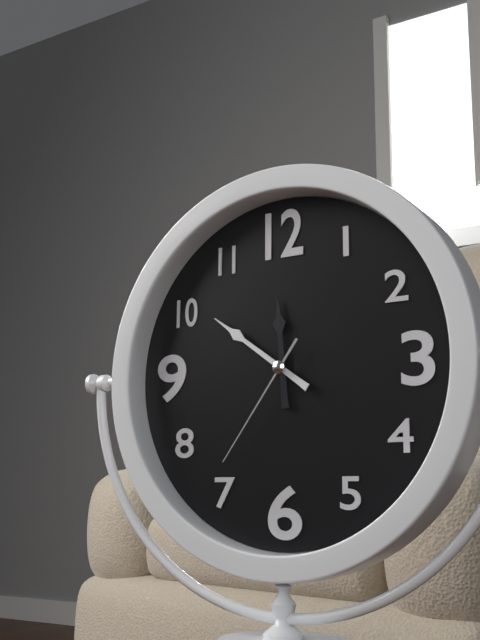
11 h 51 min 36 s
